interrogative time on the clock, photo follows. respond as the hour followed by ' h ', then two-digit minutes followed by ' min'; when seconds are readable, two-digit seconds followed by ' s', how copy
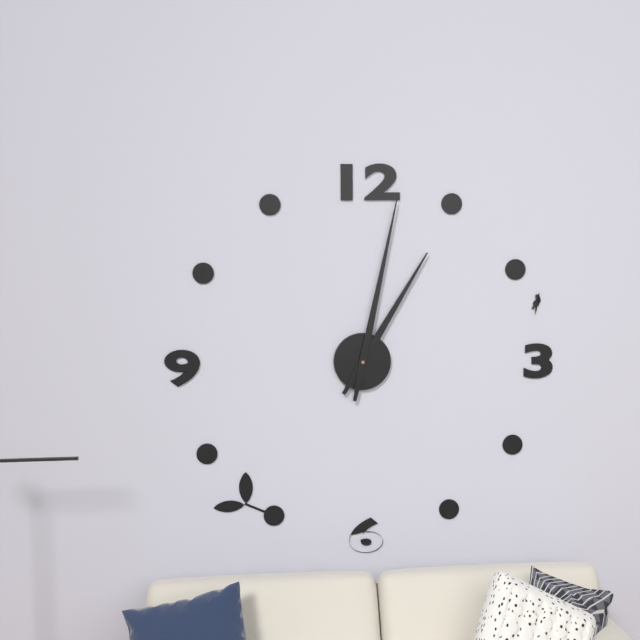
1 h 02 min
